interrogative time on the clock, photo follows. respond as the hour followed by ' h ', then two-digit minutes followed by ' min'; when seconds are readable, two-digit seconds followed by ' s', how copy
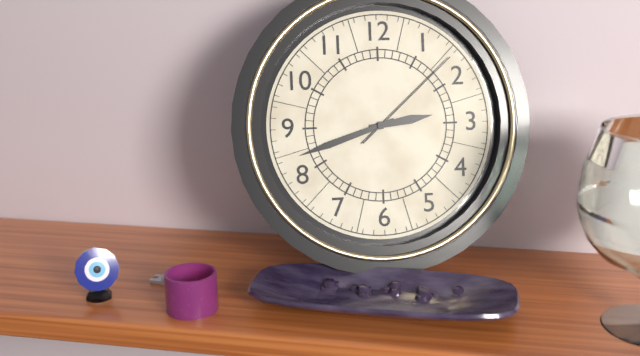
2 h 42 min 08 s
